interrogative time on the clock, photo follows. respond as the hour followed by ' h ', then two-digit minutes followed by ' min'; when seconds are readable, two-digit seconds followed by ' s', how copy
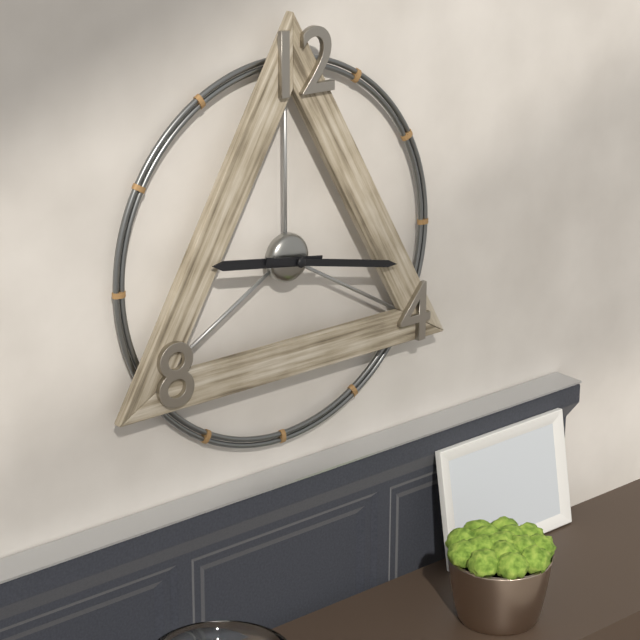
9 h 17 min
